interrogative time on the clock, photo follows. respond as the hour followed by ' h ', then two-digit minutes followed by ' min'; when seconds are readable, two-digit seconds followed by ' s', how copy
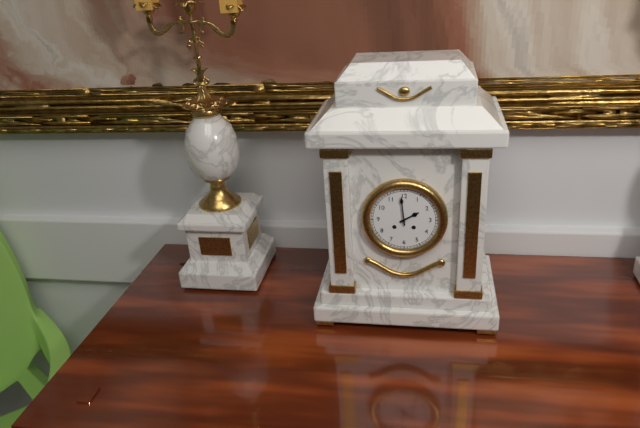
1 h 59 min
